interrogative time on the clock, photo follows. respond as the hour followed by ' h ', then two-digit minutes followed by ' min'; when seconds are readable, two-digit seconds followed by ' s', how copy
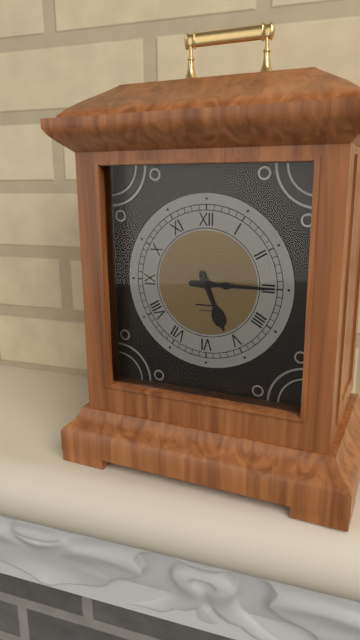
5 h 15 min
